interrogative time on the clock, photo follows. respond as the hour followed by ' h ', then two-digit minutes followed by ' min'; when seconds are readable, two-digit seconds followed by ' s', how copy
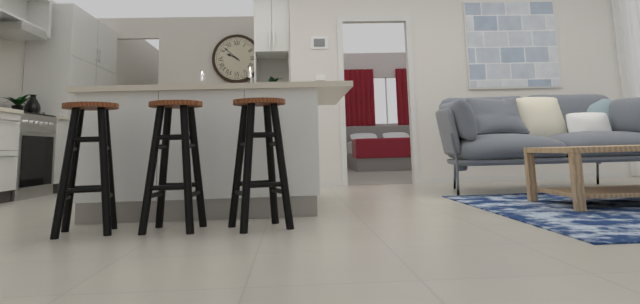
9 h 52 min
